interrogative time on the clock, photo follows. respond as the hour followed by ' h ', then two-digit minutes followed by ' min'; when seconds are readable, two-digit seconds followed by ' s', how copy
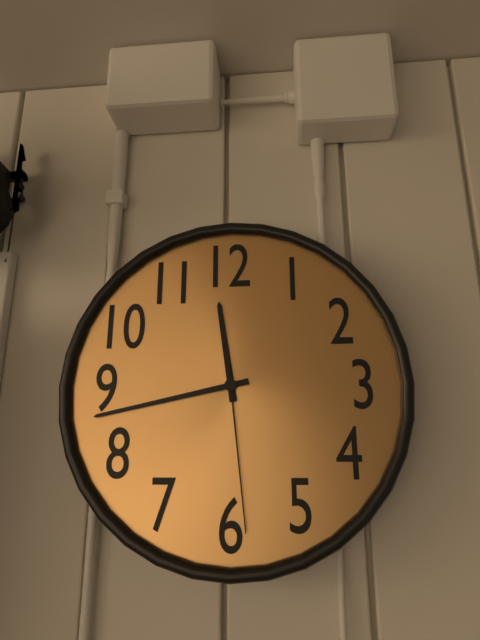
11 h 43 min 29 s
